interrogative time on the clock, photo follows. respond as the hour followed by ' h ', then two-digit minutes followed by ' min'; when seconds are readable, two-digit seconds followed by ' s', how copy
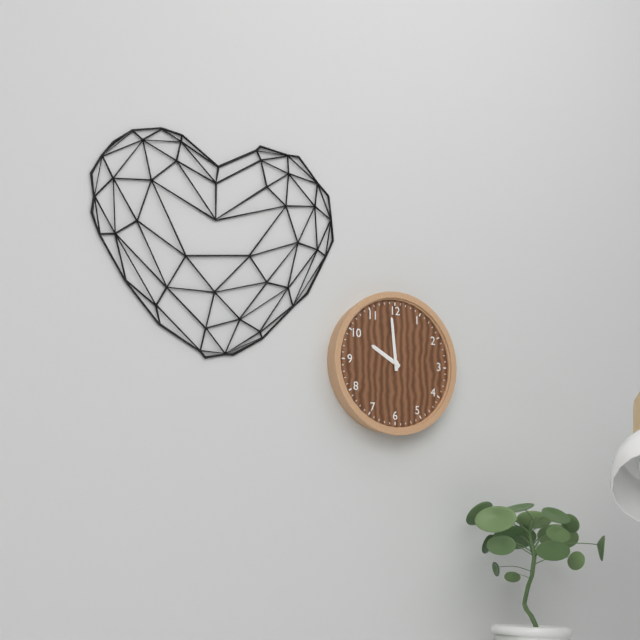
9 h 59 min
